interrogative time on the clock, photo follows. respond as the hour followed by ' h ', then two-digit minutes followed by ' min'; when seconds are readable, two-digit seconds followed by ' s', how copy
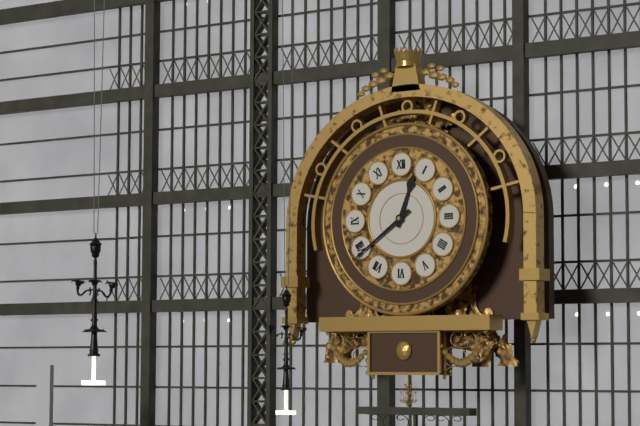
12 h 39 min
